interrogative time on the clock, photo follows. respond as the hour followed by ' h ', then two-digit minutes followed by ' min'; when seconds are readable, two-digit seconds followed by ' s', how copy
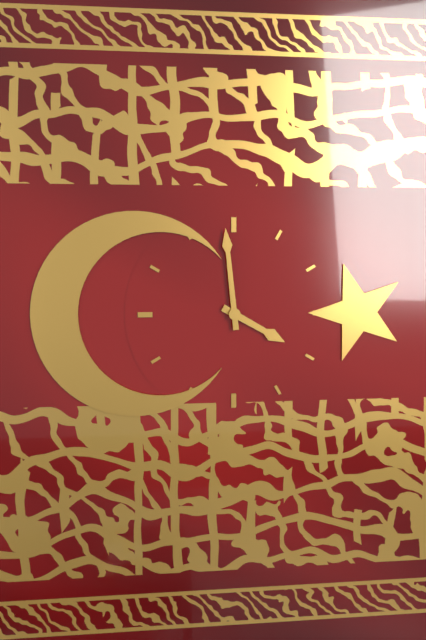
3 h 59 min
